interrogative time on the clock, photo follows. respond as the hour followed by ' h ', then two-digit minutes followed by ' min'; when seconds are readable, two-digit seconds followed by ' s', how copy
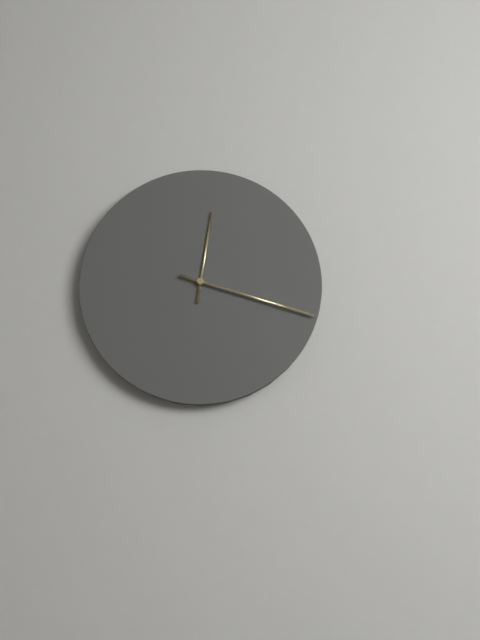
12 h 18 min
